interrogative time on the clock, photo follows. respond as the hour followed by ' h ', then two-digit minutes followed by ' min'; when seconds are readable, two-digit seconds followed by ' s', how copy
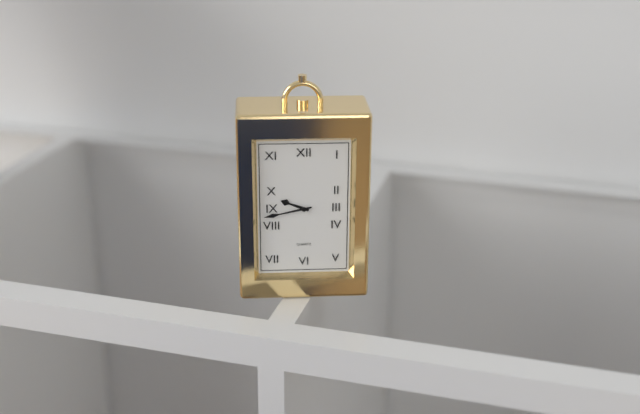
9 h 43 min
